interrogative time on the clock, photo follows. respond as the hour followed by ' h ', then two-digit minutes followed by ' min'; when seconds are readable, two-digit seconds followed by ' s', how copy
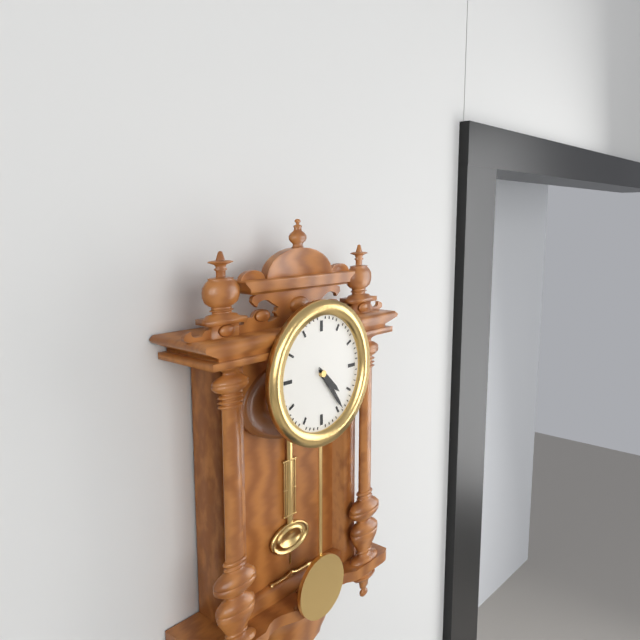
4 h 24 min
